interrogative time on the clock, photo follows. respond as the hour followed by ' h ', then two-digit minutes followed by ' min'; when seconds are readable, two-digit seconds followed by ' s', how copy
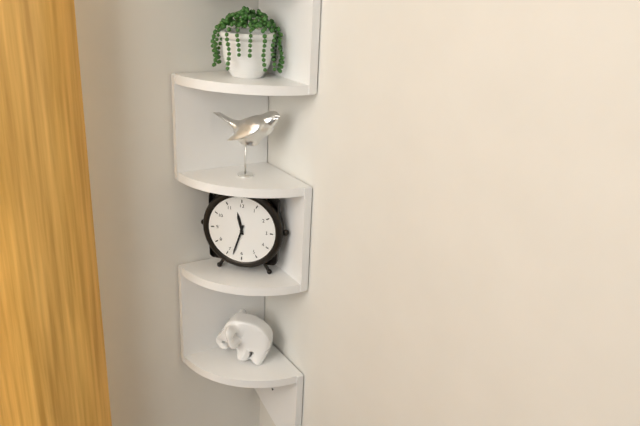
11 h 33 min
